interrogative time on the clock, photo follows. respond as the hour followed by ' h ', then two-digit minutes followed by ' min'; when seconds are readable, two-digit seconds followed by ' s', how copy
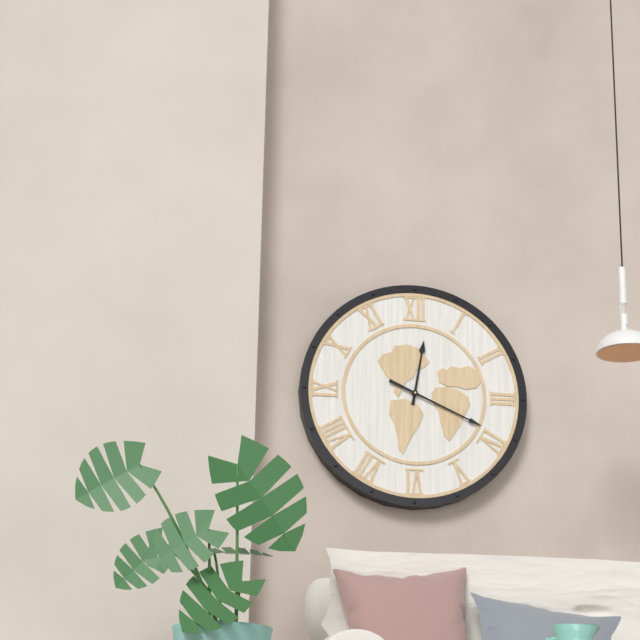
12 h 19 min
